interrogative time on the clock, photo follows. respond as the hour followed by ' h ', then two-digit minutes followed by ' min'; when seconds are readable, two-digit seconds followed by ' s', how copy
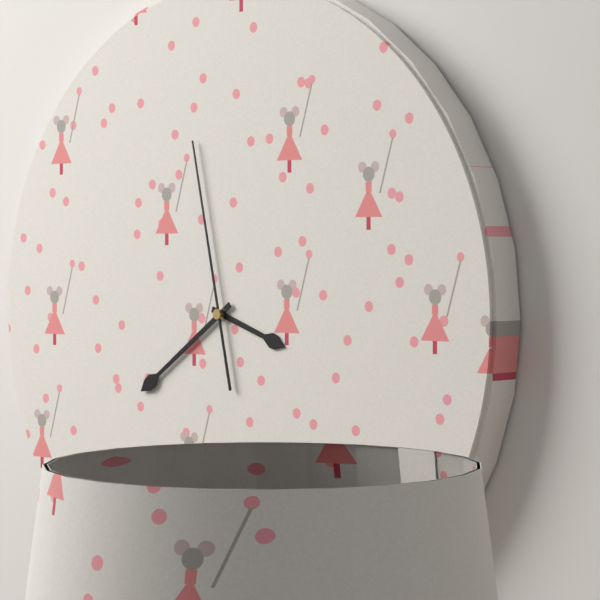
3 h 39 min 58 s
